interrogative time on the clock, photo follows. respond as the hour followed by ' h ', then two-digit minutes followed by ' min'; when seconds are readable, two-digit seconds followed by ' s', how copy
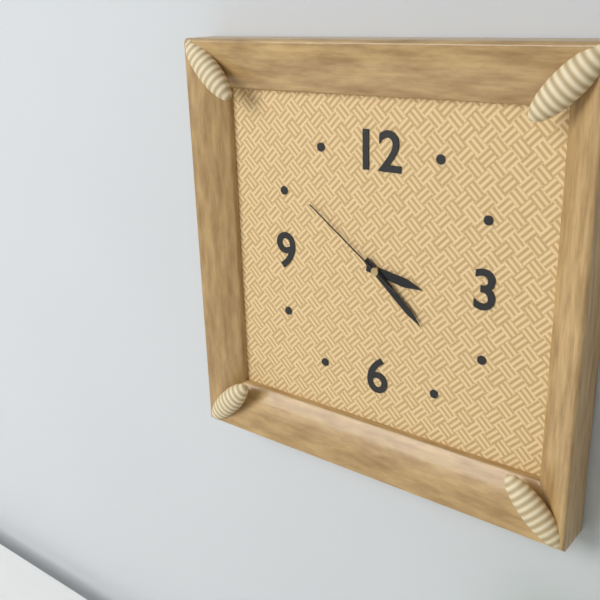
3 h 22 min 51 s
